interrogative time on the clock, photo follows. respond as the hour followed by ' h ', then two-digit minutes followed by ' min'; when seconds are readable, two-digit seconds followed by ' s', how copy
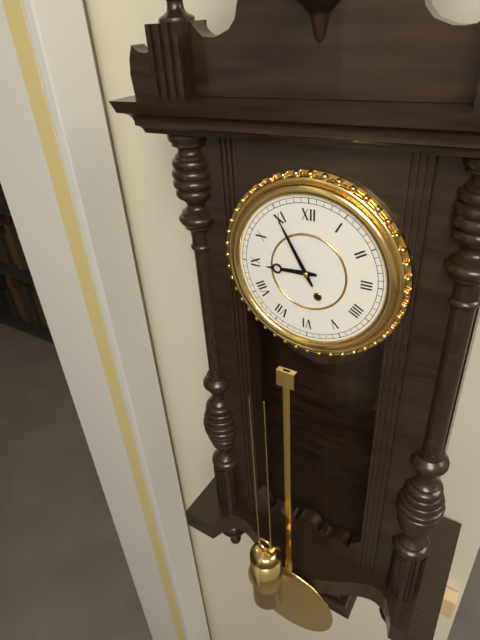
8 h 55 min
